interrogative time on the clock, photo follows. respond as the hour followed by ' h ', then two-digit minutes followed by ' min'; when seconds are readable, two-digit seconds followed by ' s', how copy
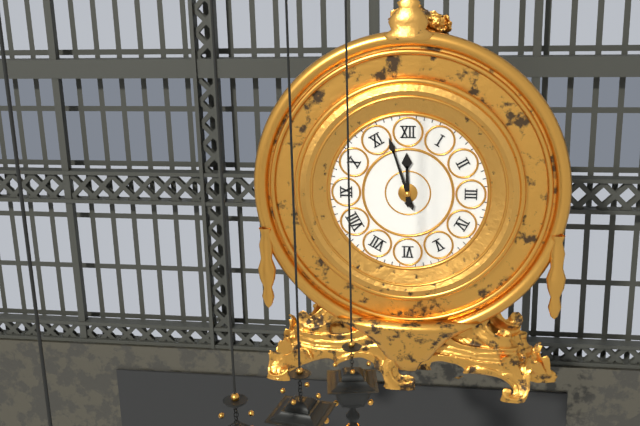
11 h 57 min
